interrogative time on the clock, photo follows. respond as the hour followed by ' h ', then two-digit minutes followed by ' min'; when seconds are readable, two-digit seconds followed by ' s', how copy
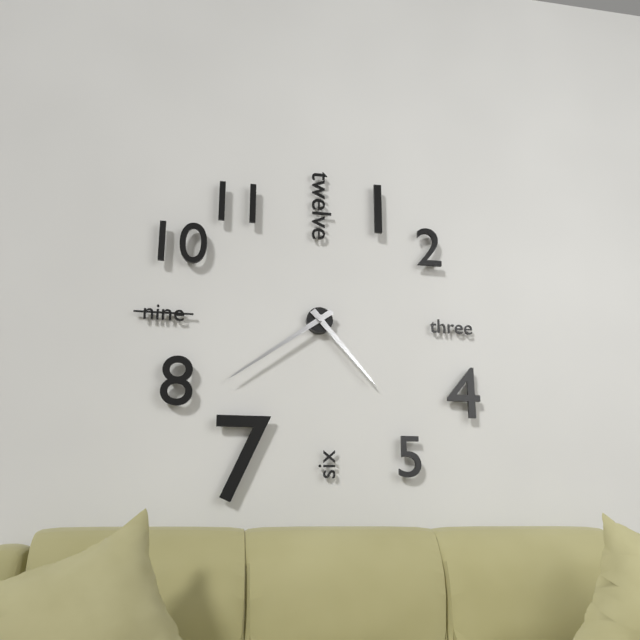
4 h 39 min
